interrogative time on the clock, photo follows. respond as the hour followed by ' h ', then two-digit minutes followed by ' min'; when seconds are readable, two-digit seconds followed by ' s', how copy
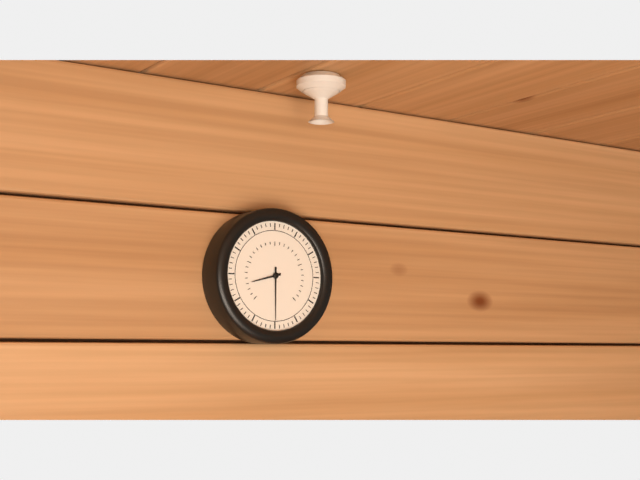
8 h 30 min
